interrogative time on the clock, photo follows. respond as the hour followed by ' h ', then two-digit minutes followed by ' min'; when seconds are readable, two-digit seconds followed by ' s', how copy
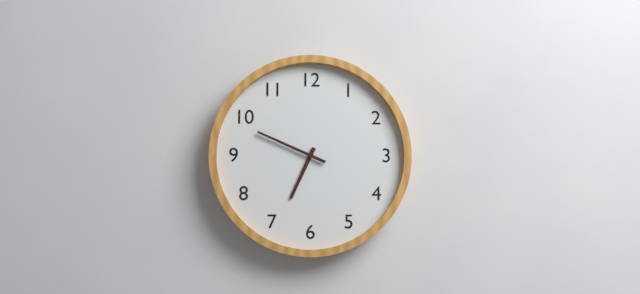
6 h 49 min
